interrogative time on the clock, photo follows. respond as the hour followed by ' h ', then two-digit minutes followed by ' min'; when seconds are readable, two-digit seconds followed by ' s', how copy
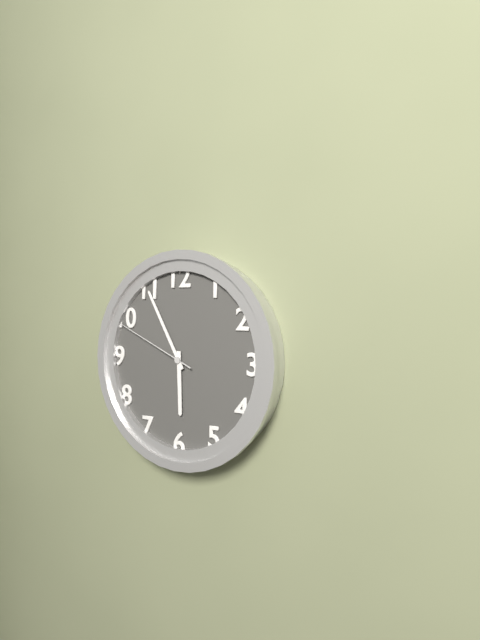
5 h 55 min 49 s
